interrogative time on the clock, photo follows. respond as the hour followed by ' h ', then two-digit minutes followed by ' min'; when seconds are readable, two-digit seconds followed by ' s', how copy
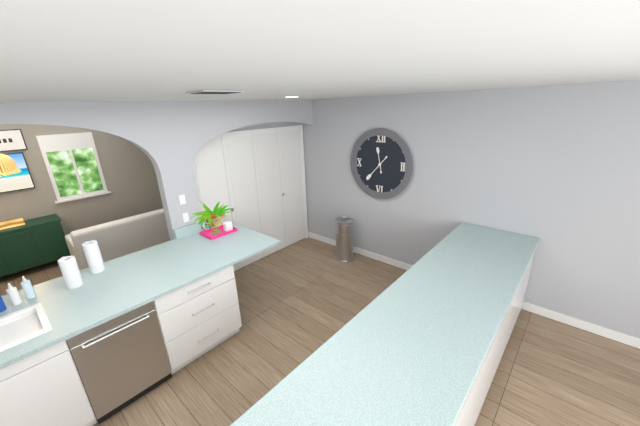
11 h 37 min
